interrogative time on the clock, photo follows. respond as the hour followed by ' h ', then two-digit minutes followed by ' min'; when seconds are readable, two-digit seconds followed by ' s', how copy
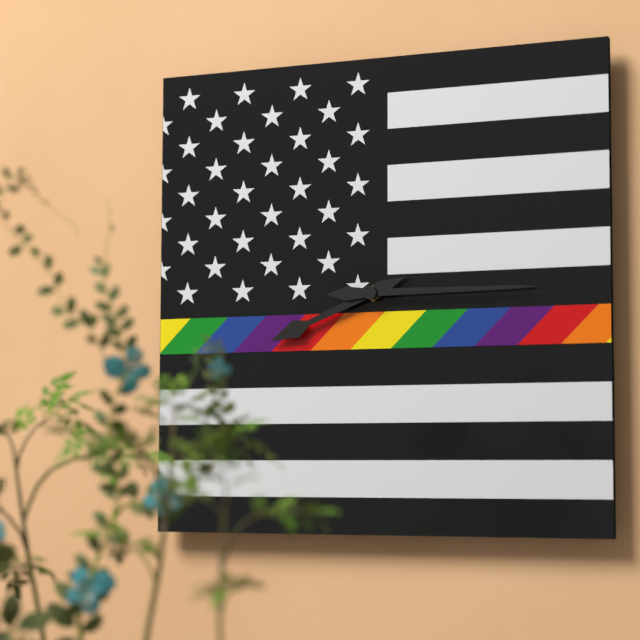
8 h 15 min
